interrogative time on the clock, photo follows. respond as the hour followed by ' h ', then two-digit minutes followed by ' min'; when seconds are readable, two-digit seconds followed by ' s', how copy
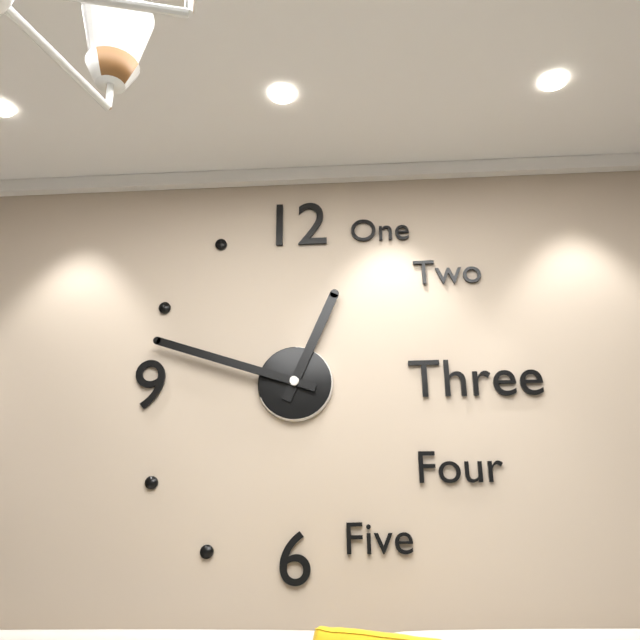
12 h 48 min
